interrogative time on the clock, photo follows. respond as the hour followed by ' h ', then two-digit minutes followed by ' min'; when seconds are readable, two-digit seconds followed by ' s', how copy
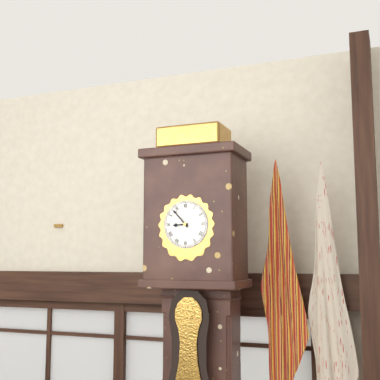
8 h 53 min
